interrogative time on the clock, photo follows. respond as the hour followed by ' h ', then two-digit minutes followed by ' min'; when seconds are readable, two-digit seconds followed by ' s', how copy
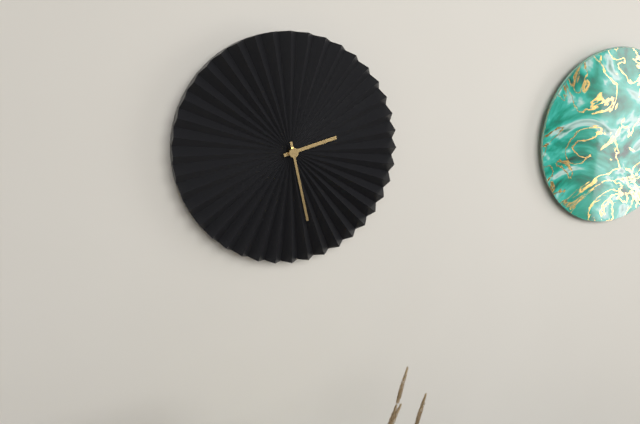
2 h 28 min
